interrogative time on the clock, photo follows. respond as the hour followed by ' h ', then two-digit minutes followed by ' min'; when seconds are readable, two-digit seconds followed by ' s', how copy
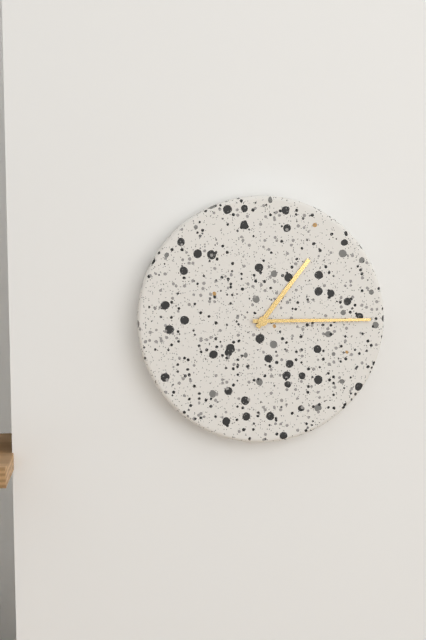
1 h 15 min
